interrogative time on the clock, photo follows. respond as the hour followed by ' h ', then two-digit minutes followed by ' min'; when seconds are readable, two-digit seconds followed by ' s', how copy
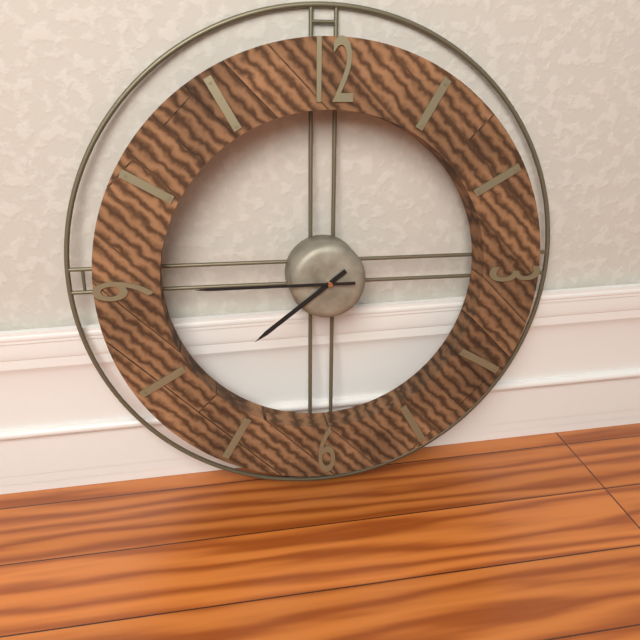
7 h 45 min
